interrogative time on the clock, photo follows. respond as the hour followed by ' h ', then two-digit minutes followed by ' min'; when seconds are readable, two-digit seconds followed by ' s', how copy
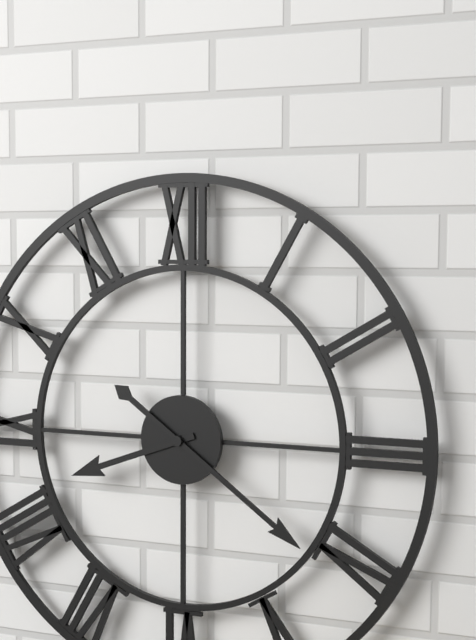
8 h 21 min
